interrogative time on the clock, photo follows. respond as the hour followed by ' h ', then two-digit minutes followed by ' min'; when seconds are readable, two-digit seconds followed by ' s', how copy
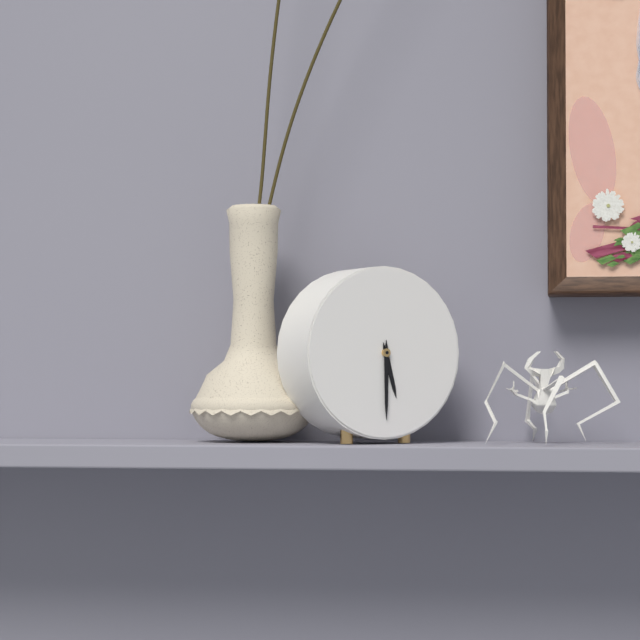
5 h 30 min
